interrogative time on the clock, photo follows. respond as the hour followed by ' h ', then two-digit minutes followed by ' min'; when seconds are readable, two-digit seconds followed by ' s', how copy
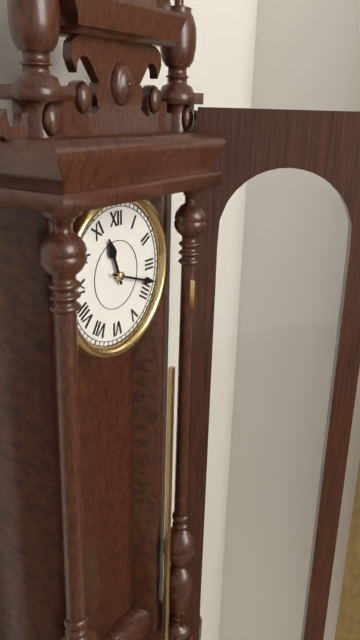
11 h 18 min
